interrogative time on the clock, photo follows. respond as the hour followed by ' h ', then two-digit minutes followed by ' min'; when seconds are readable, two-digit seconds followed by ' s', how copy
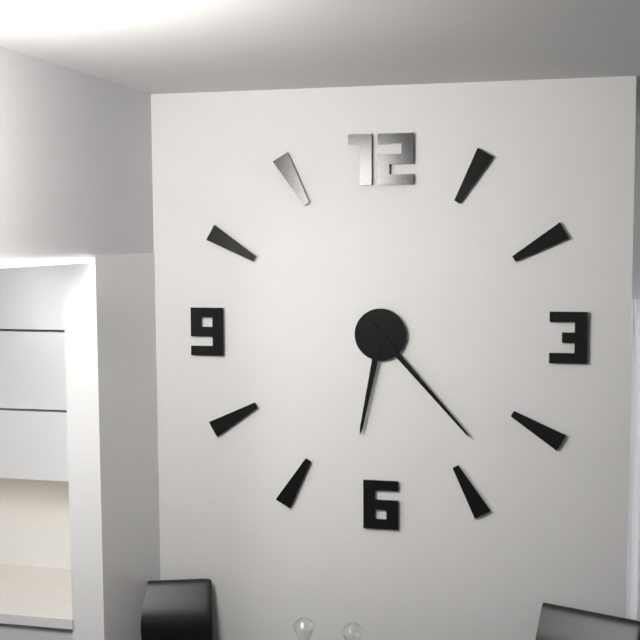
6 h 23 min
